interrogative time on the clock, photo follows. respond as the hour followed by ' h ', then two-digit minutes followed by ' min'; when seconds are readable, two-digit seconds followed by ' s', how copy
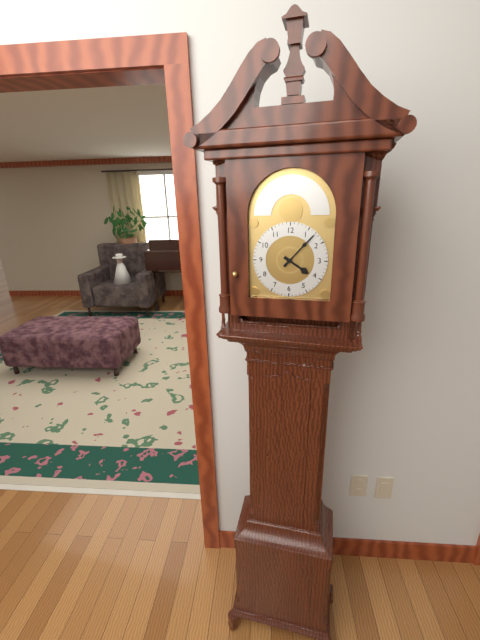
4 h 07 min
